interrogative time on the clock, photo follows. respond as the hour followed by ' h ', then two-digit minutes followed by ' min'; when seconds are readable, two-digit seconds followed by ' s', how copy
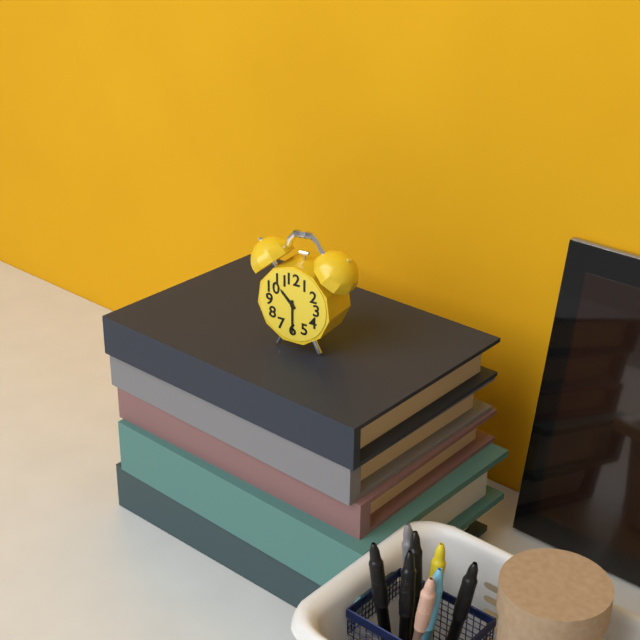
10 h 30 min
